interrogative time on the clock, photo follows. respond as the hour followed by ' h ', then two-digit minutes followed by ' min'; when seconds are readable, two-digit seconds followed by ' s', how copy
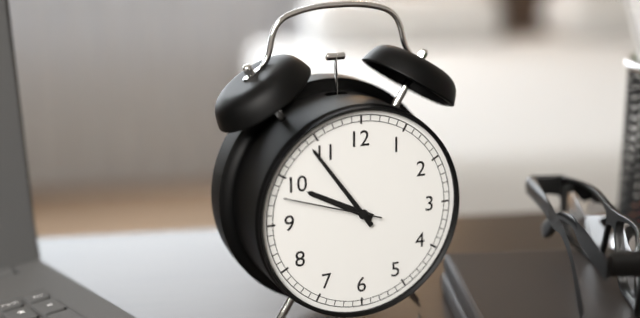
9 h 54 min 48 s
